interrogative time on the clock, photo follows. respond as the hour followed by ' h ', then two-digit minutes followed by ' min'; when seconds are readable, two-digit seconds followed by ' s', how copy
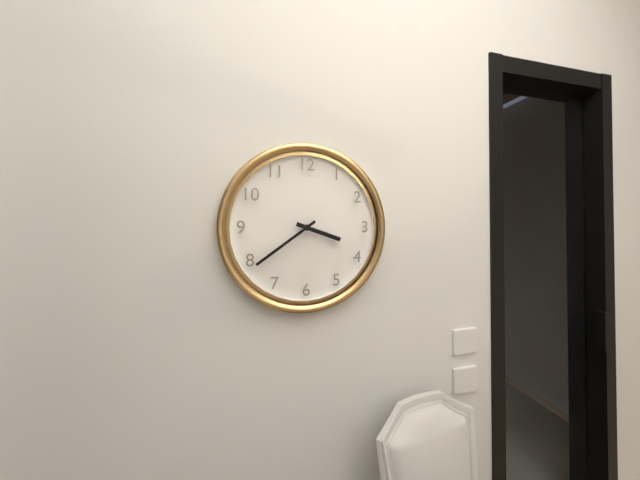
3 h 39 min
